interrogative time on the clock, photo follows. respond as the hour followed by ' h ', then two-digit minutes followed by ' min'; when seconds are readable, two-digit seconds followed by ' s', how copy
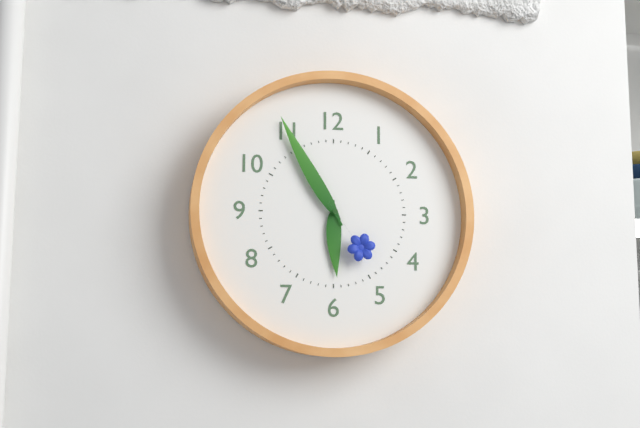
5 h 55 min 24 s
